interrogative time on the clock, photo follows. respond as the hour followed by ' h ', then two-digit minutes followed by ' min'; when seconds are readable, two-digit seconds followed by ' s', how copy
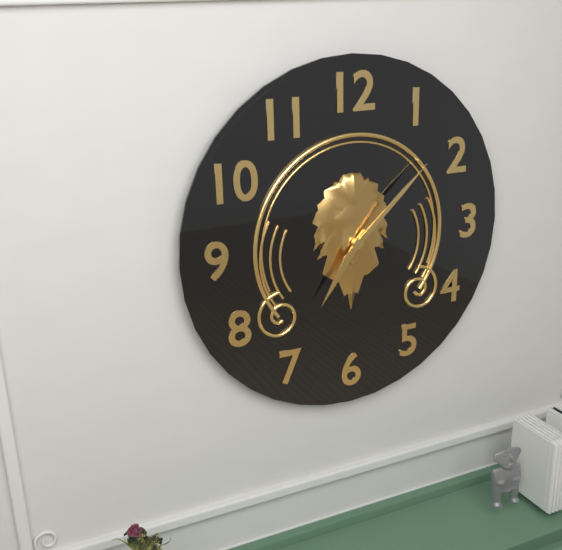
7 h 08 min
